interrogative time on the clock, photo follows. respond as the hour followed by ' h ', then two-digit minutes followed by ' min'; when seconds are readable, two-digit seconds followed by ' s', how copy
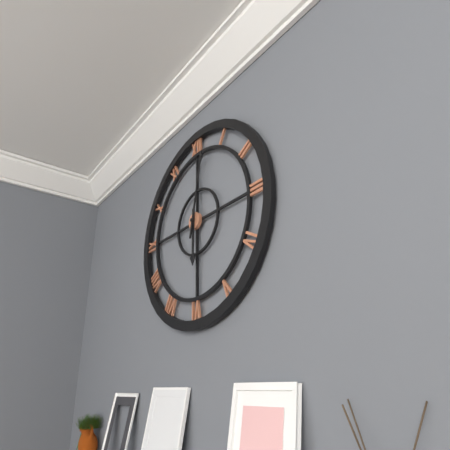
6 h 02 min
